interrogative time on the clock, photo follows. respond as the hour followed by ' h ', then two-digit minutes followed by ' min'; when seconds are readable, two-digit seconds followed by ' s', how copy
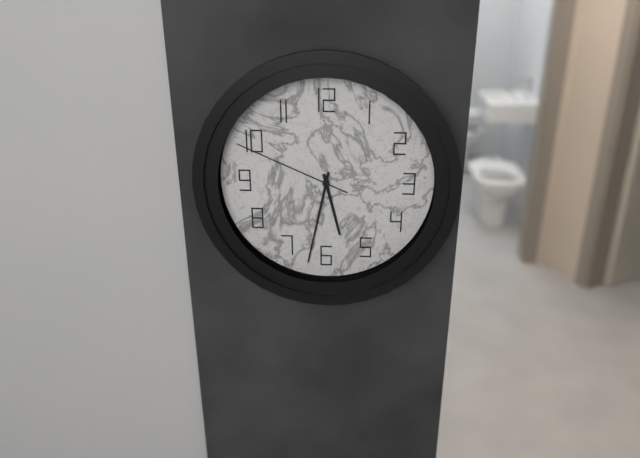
5 h 32 min 49 s
